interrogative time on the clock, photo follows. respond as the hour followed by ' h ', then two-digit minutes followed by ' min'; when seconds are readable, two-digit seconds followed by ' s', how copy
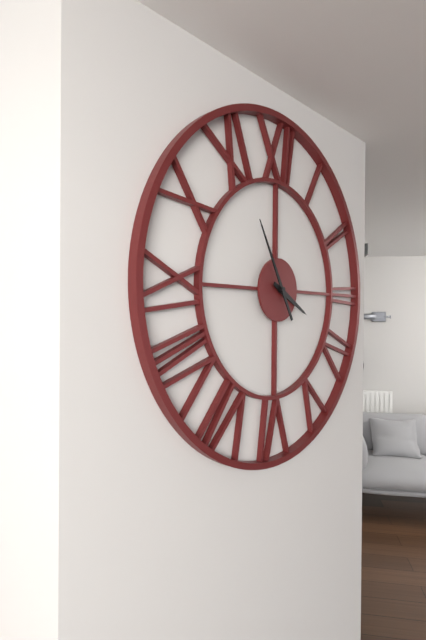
3 h 55 min
